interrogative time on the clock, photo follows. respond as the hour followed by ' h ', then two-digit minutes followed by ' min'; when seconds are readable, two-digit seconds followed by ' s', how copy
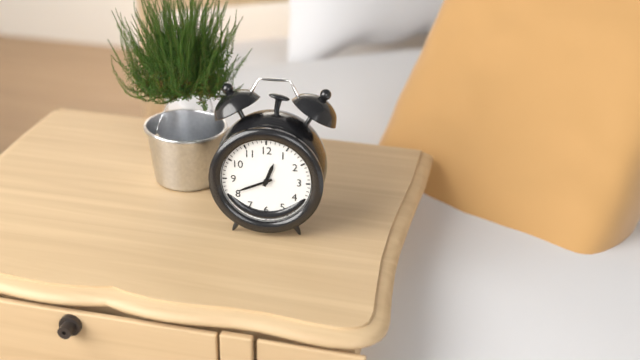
12 h 41 min
